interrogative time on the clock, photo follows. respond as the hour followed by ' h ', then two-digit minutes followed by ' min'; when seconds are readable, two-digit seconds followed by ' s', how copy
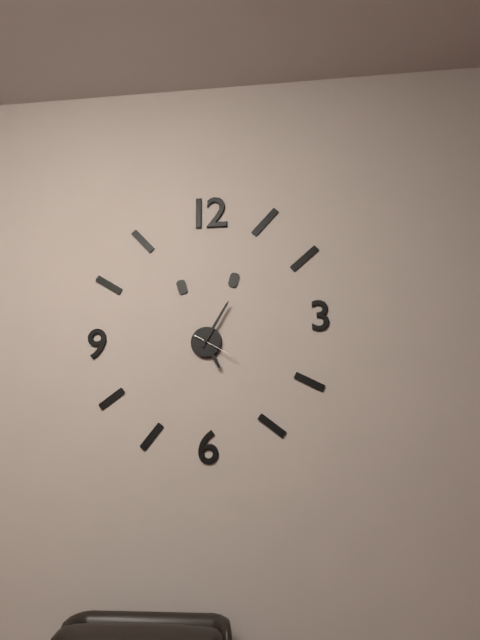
5 h 05 min
